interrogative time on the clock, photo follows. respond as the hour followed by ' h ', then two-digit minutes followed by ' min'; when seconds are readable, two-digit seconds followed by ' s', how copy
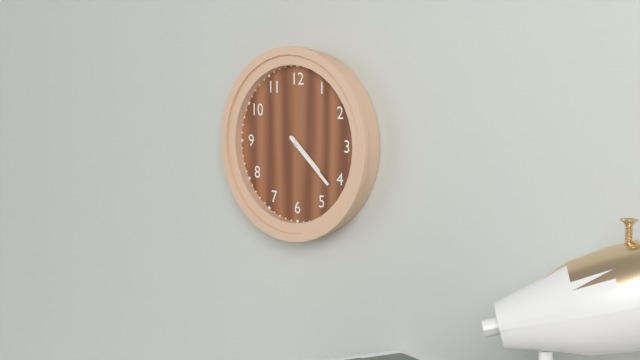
4 h 22 min
